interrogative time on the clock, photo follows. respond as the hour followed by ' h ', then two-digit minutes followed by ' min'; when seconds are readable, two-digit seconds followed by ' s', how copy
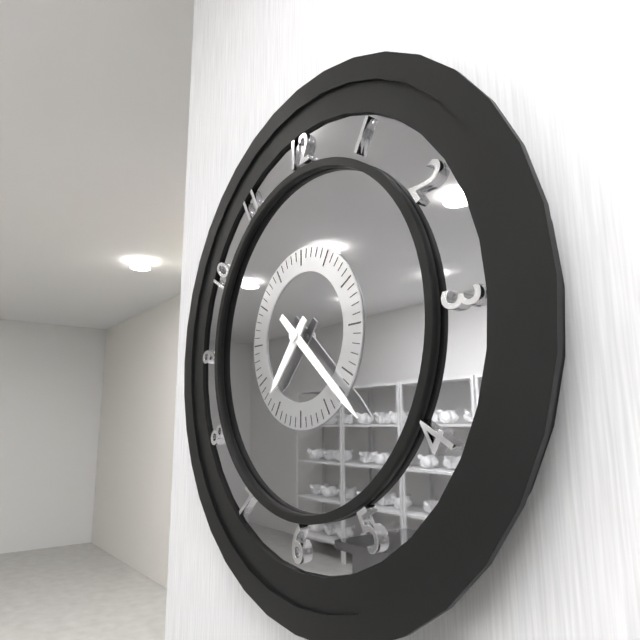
7 h 22 min
